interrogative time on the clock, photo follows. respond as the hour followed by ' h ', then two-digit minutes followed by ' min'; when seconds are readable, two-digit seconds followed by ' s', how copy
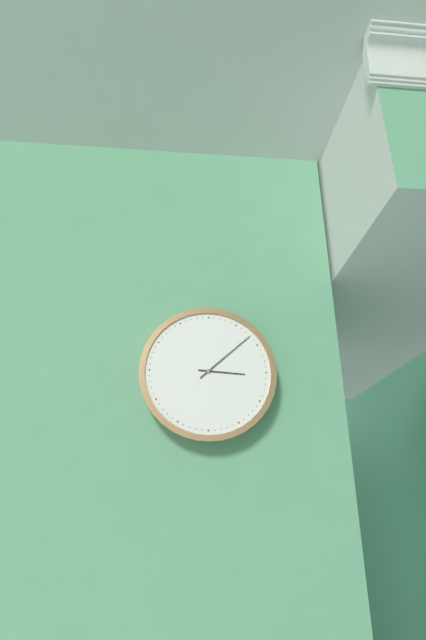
3 h 08 min
